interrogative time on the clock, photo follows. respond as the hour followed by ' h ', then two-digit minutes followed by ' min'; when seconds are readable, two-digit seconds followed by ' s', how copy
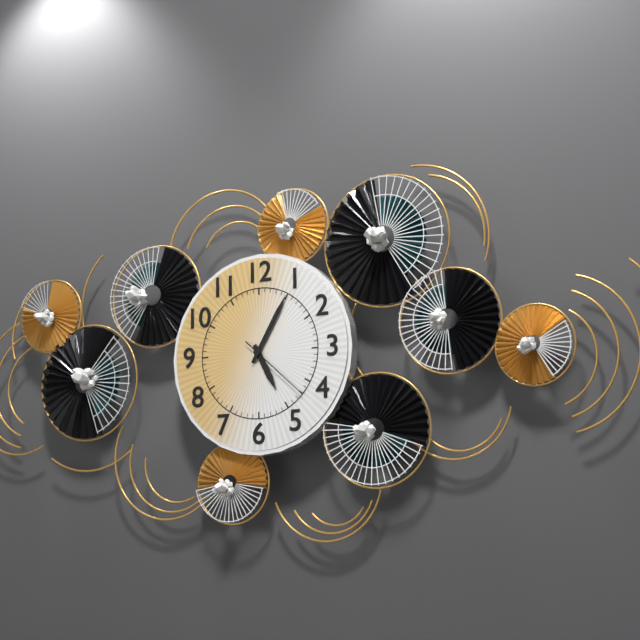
5 h 05 min 22 s
